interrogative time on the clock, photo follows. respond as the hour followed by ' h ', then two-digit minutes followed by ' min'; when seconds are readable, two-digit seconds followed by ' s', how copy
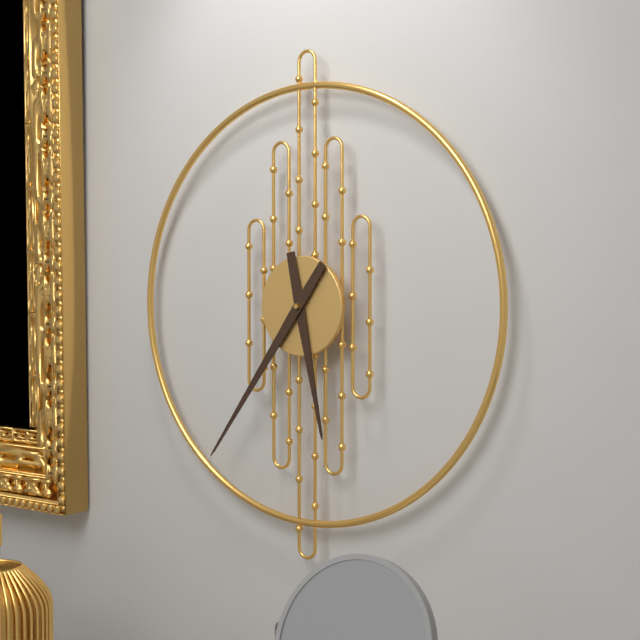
5 h 36 min
